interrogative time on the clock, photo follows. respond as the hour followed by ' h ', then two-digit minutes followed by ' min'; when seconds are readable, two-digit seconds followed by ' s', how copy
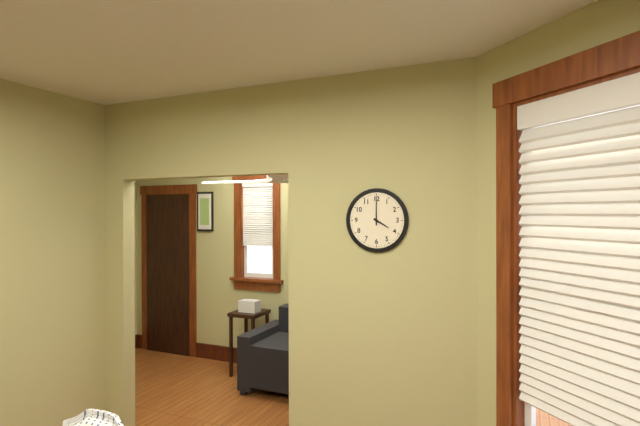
4 h 00 min
